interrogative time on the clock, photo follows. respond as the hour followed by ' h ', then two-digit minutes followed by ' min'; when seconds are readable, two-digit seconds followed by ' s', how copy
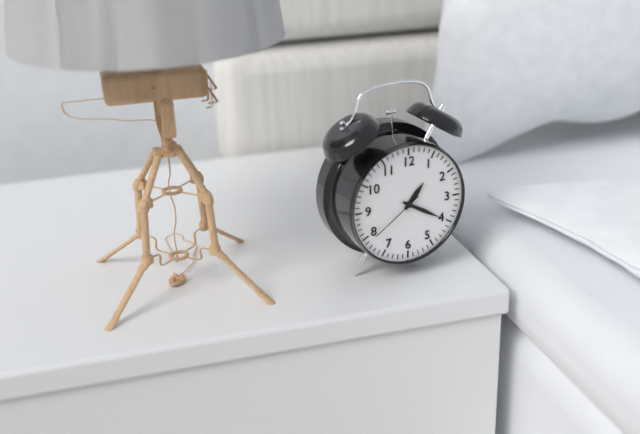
1 h 20 min 39 s
